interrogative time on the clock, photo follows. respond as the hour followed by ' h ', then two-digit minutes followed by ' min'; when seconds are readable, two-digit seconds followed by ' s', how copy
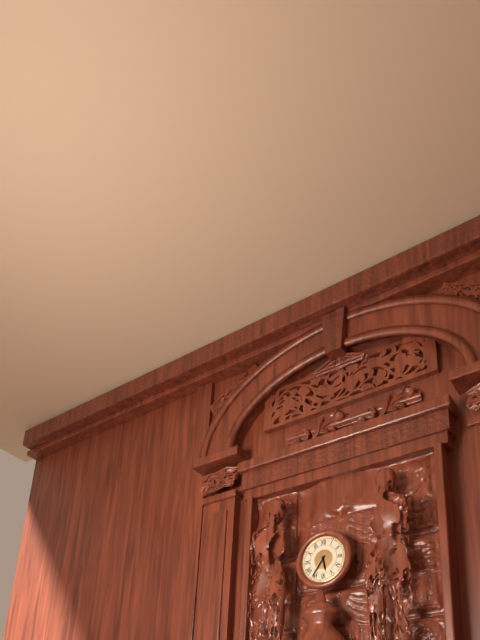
5 h 36 min
